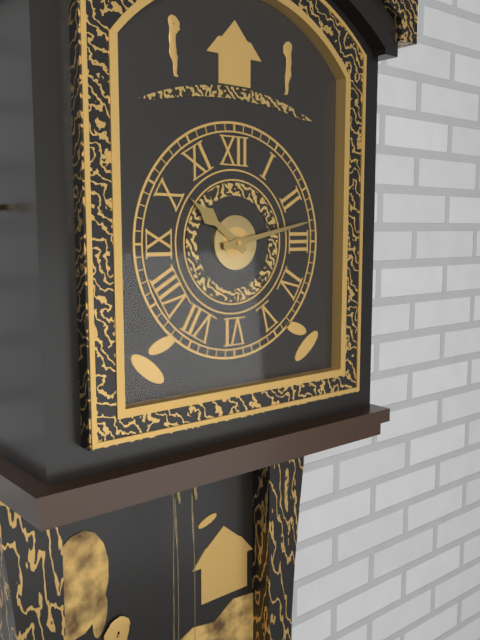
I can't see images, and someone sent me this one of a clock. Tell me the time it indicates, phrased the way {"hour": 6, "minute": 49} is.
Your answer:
{"hour": 10, "minute": 13}
